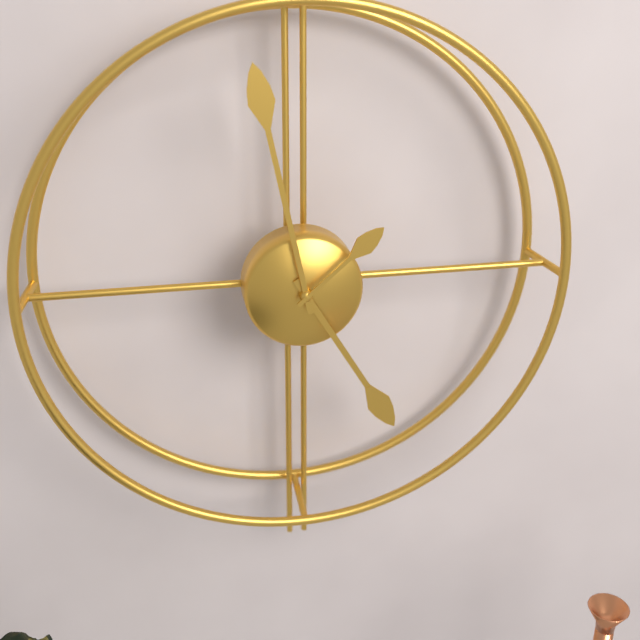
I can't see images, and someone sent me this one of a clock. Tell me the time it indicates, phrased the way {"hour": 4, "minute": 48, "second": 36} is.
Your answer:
{"hour": 4, "minute": 58, "second": 8}
